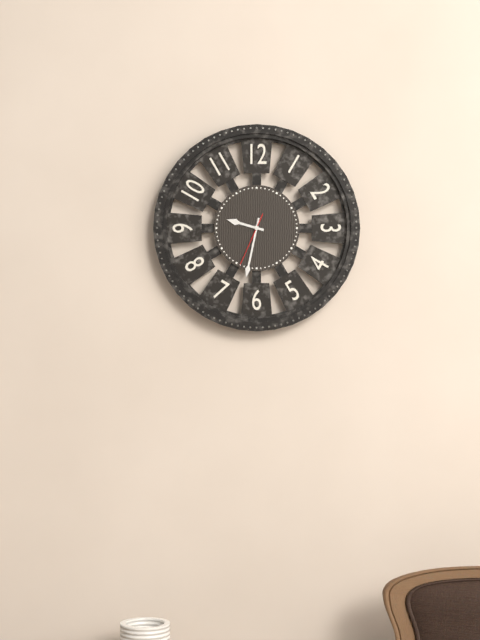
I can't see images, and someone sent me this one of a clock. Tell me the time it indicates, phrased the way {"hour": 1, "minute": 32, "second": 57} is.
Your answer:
{"hour": 9, "minute": 32, "second": 34}
